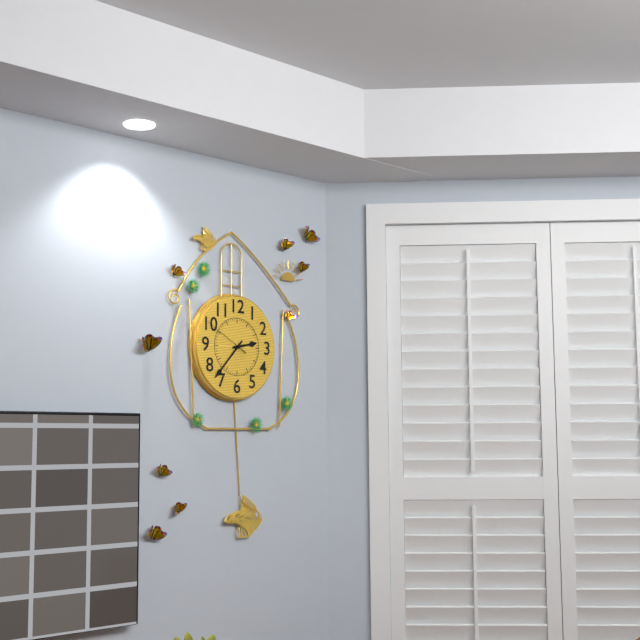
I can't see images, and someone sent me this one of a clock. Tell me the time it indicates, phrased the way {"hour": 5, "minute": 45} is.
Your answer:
{"hour": 2, "minute": 37}
